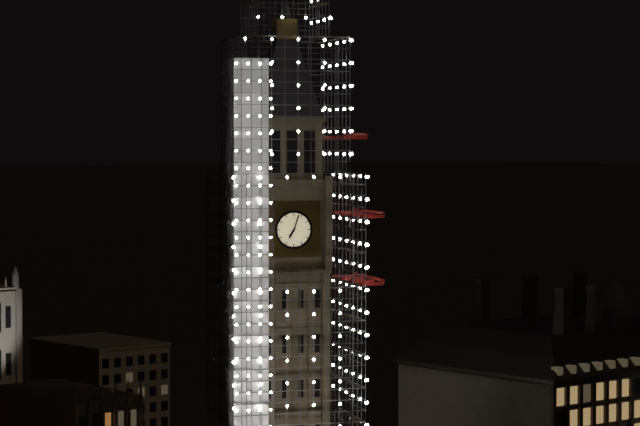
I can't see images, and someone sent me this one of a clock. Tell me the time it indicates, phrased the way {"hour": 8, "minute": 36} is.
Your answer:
{"hour": 7, "minute": 3}
